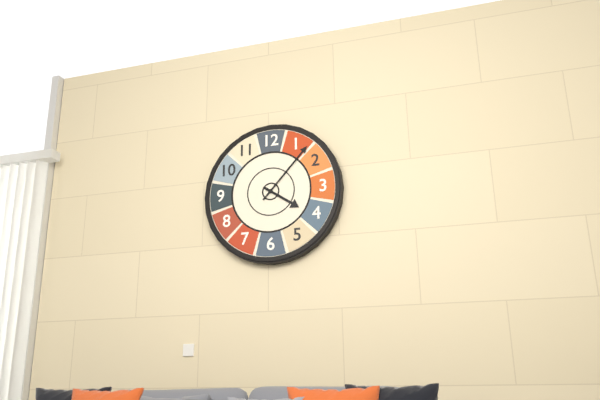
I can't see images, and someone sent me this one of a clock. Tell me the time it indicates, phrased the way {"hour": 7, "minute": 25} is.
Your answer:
{"hour": 4, "minute": 7}
